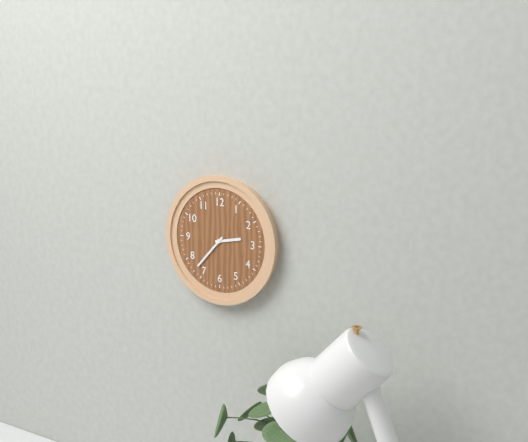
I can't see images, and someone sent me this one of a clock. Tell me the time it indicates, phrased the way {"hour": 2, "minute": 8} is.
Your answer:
{"hour": 2, "minute": 37}
